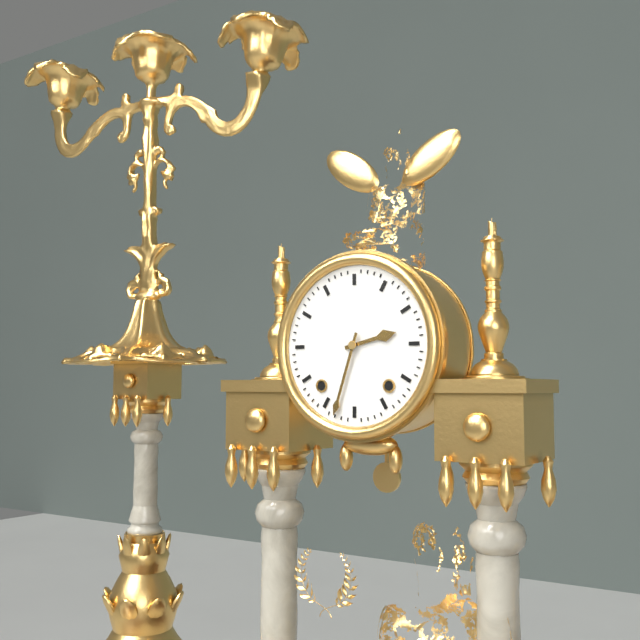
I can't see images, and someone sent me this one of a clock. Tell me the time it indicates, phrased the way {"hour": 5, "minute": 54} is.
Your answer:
{"hour": 2, "minute": 33}
